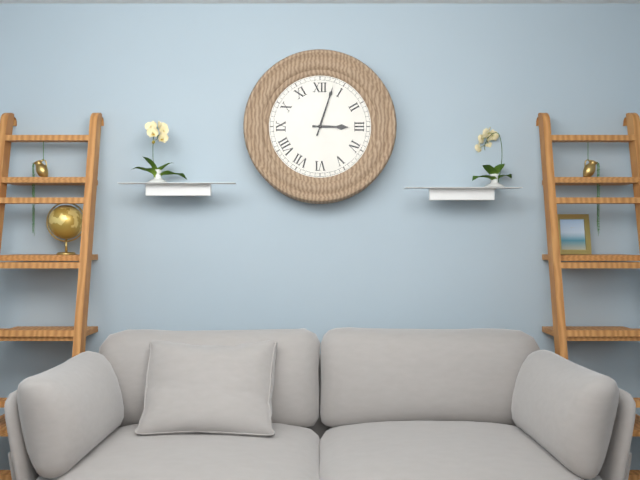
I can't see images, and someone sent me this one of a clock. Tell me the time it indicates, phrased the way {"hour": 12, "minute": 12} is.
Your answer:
{"hour": 3, "minute": 3}
